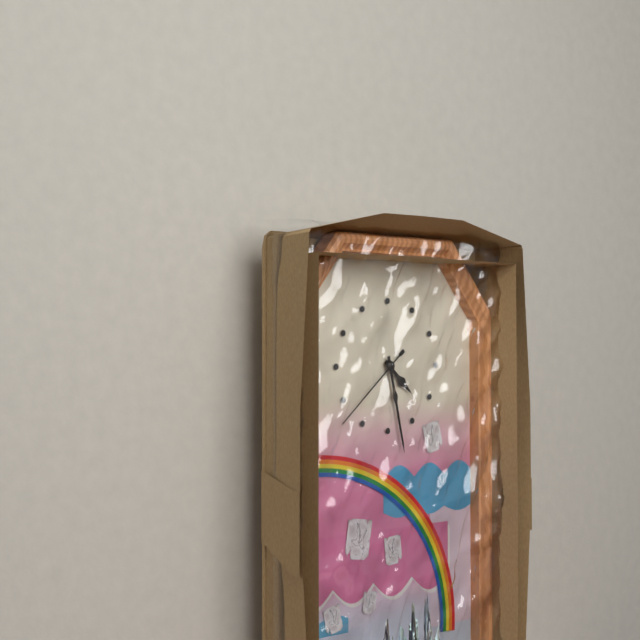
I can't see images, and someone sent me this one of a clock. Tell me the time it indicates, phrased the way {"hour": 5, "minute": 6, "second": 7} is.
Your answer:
{"hour": 4, "minute": 28, "second": 38}
